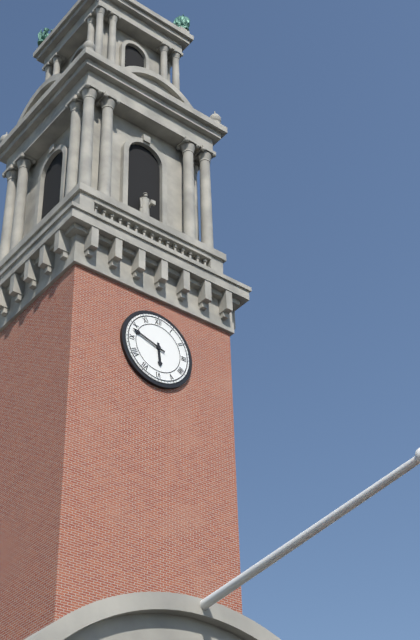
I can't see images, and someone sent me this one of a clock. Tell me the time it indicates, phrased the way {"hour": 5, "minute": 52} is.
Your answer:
{"hour": 5, "minute": 48}
